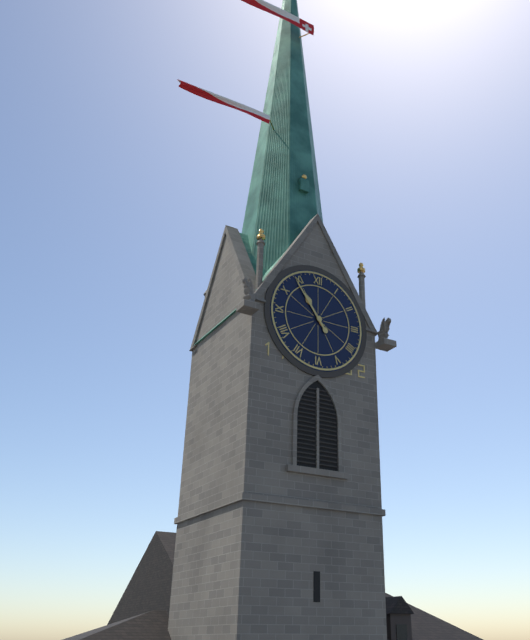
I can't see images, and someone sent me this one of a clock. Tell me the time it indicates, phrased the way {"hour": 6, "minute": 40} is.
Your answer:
{"hour": 10, "minute": 54}
